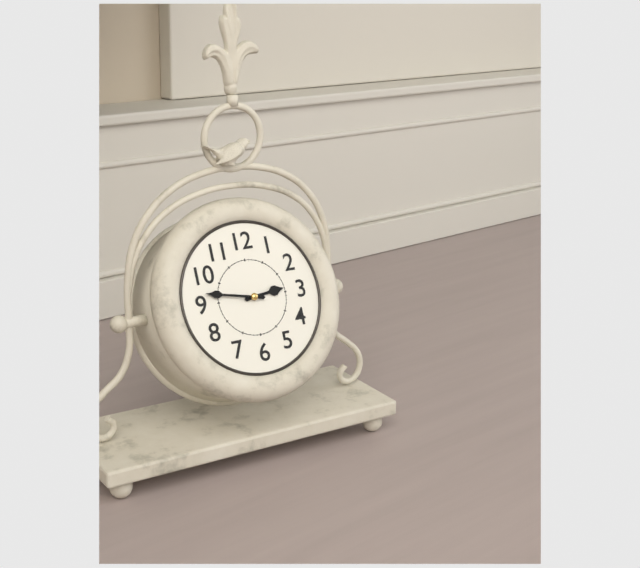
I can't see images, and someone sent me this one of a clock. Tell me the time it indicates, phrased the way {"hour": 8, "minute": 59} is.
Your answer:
{"hour": 2, "minute": 47}
